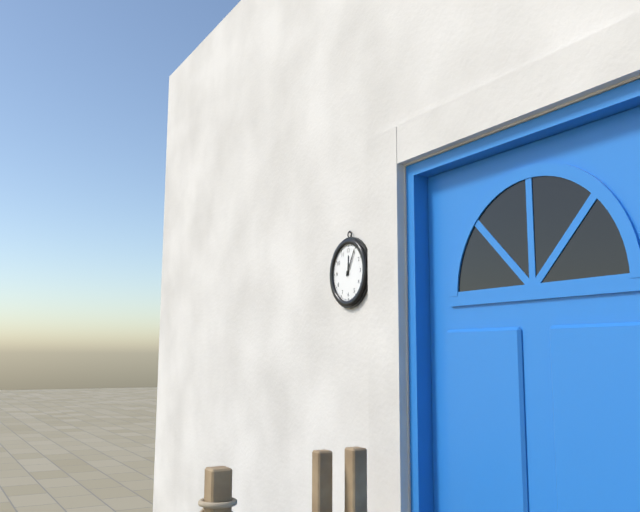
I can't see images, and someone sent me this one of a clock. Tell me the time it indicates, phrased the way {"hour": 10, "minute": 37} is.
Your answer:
{"hour": 12, "minute": 5}
